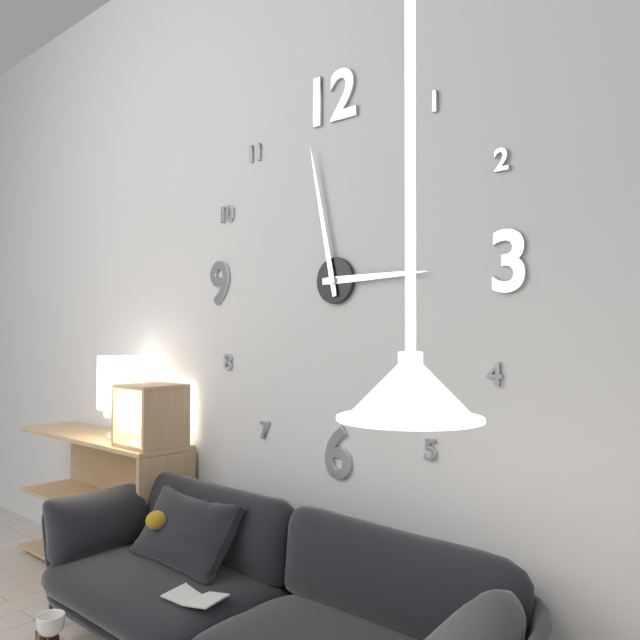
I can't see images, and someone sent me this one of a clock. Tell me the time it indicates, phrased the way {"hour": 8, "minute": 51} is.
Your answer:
{"hour": 2, "minute": 58}
